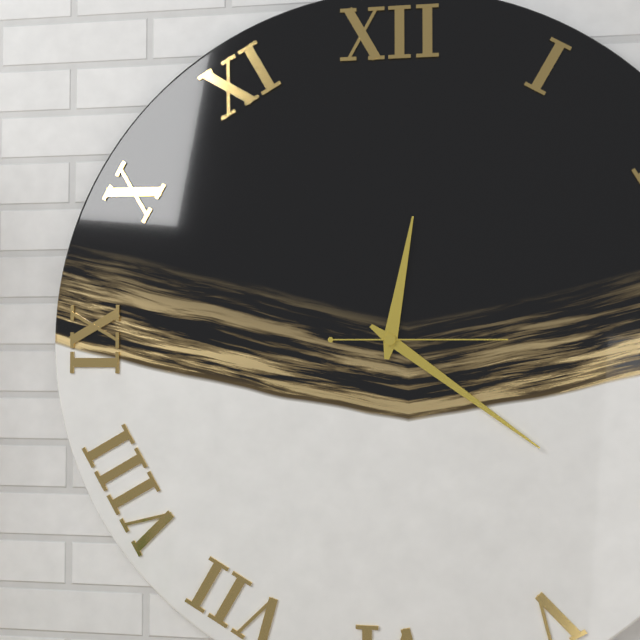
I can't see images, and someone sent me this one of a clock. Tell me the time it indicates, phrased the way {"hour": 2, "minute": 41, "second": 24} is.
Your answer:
{"hour": 12, "minute": 21, "second": 15}
